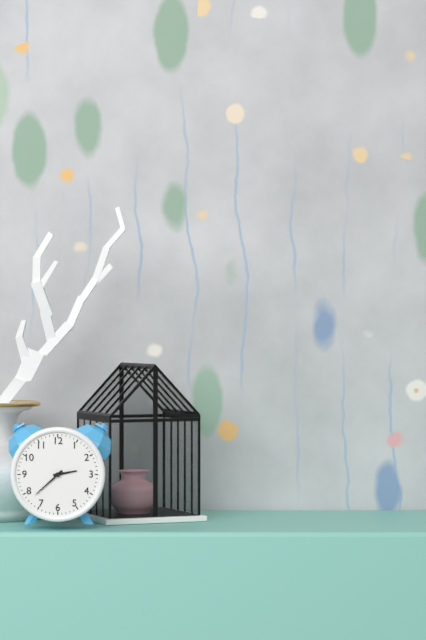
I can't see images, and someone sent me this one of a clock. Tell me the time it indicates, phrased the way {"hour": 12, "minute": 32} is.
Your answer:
{"hour": 2, "minute": 38}
